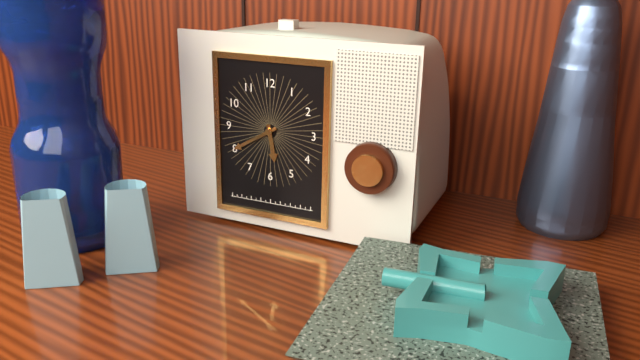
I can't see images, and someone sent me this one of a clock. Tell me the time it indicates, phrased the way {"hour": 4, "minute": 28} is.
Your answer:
{"hour": 5, "minute": 40}
